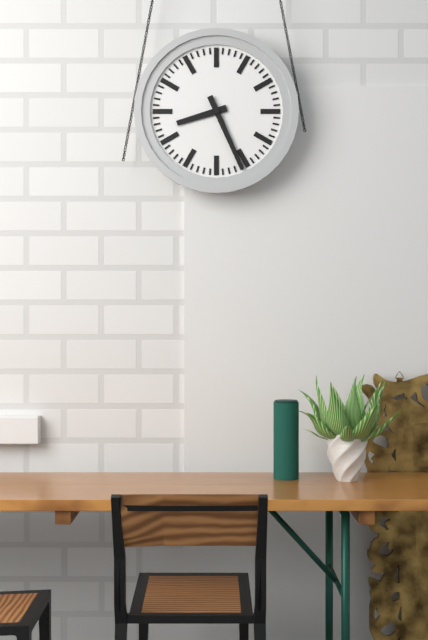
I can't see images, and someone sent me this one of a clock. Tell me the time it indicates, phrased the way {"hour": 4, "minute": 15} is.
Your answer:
{"hour": 8, "minute": 26}
